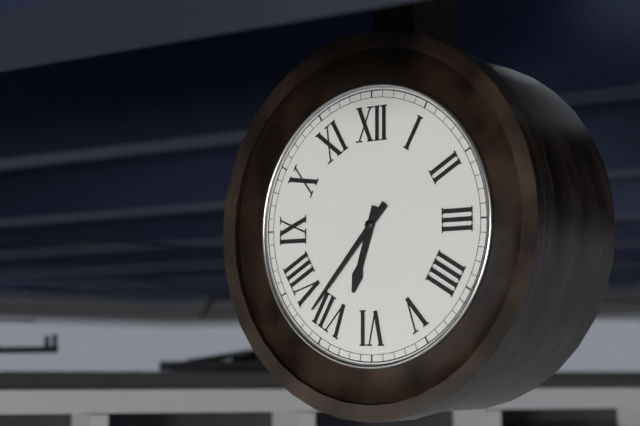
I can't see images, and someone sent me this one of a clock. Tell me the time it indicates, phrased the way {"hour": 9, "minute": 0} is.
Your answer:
{"hour": 6, "minute": 37}
